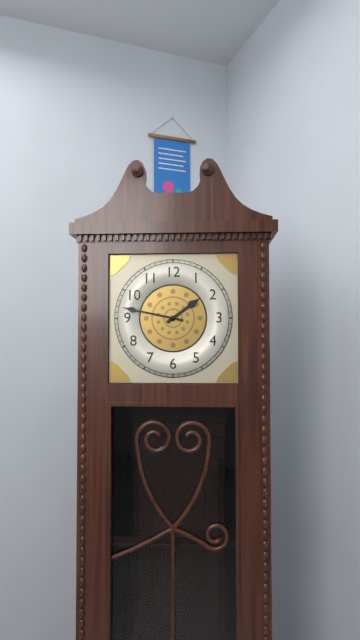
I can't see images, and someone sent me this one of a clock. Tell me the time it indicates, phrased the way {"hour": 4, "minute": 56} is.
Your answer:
{"hour": 1, "minute": 47}
